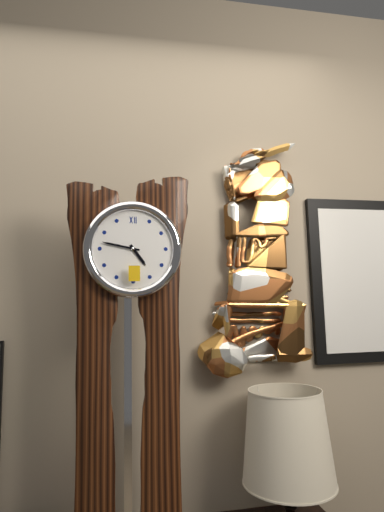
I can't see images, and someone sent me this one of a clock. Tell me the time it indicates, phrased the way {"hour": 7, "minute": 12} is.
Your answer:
{"hour": 4, "minute": 47}
